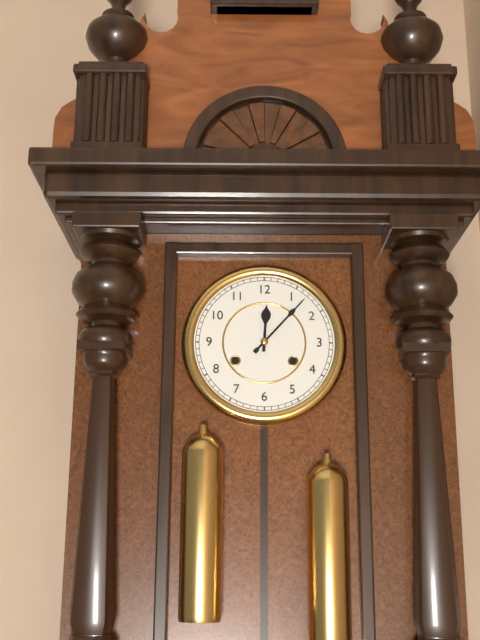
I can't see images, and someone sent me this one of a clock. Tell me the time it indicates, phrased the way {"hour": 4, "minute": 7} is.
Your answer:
{"hour": 12, "minute": 7}
